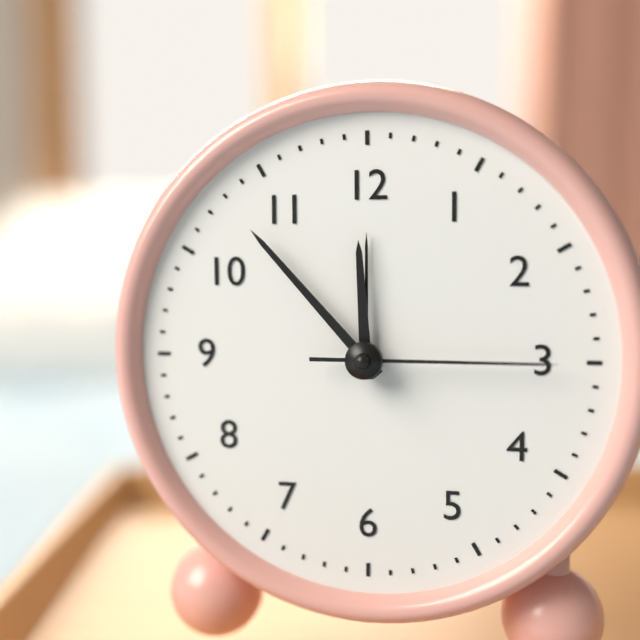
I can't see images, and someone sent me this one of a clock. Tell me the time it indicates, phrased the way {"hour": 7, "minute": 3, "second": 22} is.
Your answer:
{"hour": 11, "minute": 53, "second": 15}
